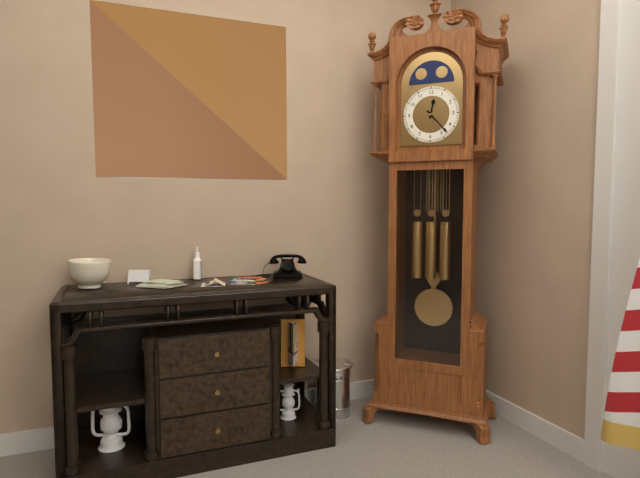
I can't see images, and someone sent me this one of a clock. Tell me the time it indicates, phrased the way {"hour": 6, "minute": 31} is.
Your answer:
{"hour": 12, "minute": 23}
